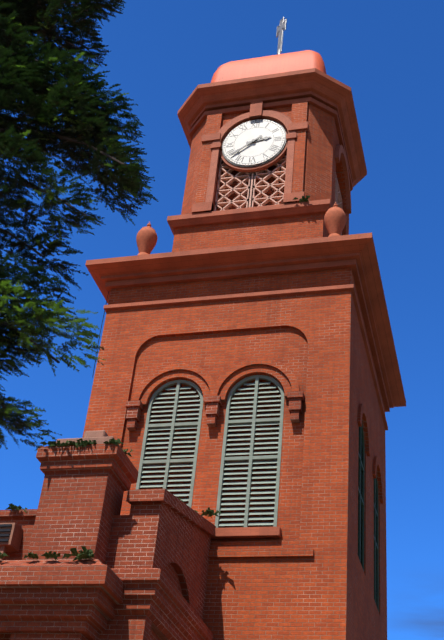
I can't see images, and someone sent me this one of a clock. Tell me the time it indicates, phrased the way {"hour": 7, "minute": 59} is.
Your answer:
{"hour": 2, "minute": 39}
